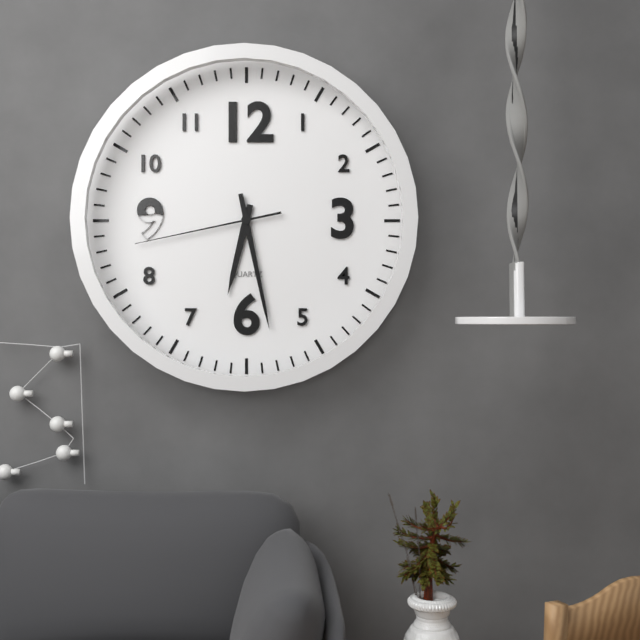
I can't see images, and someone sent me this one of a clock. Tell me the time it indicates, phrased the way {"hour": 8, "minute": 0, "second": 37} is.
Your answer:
{"hour": 6, "minute": 28, "second": 43}
